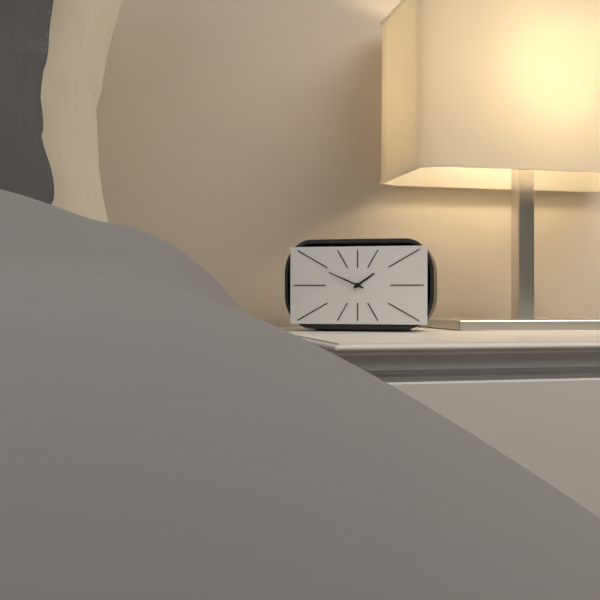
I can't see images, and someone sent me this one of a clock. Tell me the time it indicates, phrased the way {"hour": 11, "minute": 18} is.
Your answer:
{"hour": 1, "minute": 49}
